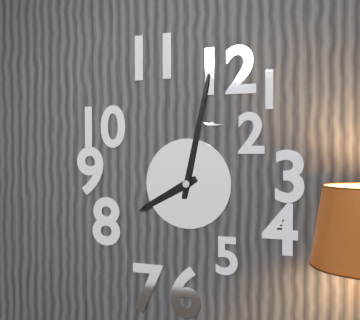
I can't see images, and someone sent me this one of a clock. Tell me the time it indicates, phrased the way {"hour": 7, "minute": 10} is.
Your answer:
{"hour": 8, "minute": 2}
